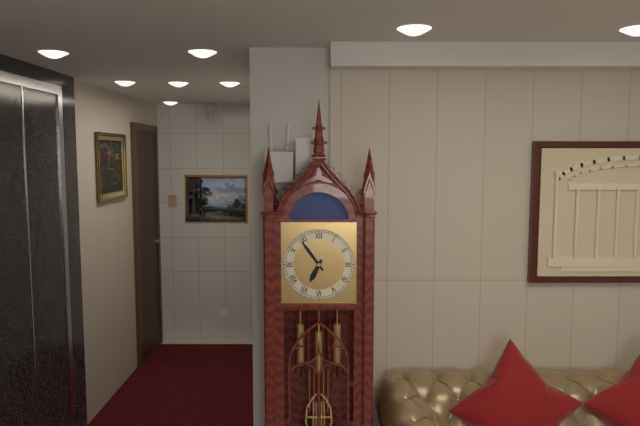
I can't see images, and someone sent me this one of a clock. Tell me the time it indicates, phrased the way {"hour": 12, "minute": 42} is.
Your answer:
{"hour": 6, "minute": 54}
